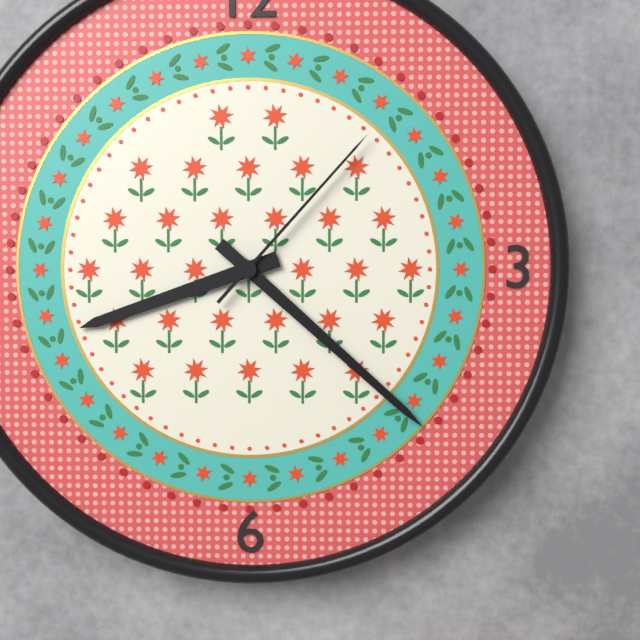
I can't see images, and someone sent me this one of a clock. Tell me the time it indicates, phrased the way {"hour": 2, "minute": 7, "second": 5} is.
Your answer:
{"hour": 8, "minute": 22, "second": 7}
